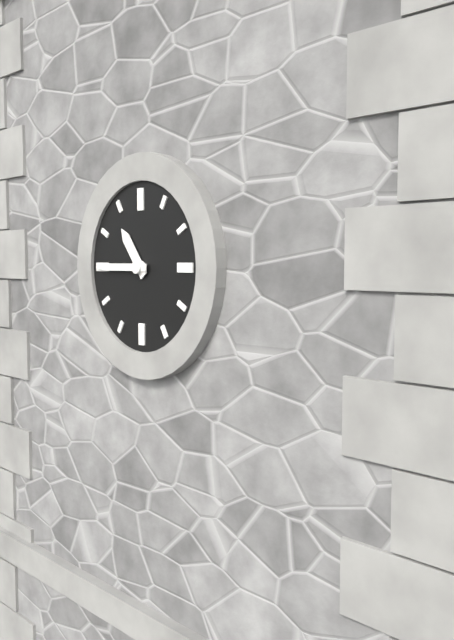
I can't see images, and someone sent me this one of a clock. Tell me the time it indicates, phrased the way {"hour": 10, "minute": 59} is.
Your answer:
{"hour": 10, "minute": 45}
